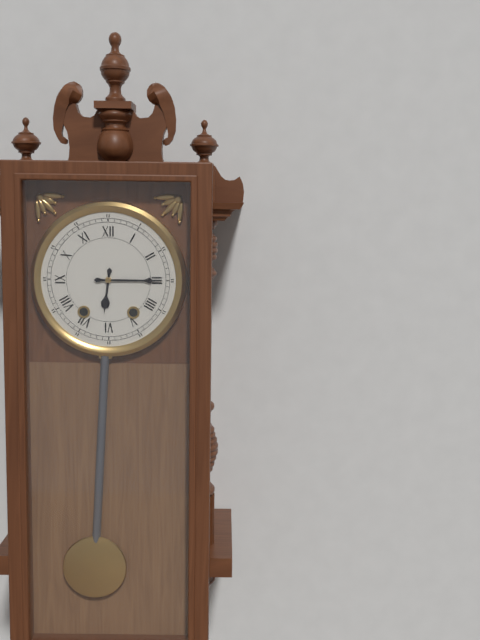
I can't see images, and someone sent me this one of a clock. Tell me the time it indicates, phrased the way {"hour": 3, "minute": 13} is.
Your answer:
{"hour": 6, "minute": 15}
